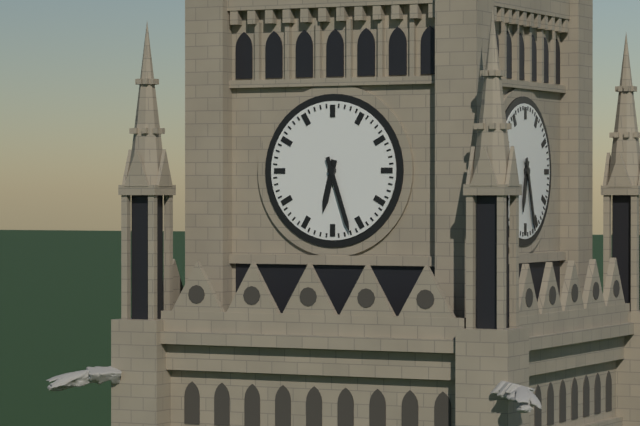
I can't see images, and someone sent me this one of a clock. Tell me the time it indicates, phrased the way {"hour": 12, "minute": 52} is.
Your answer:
{"hour": 6, "minute": 27}
